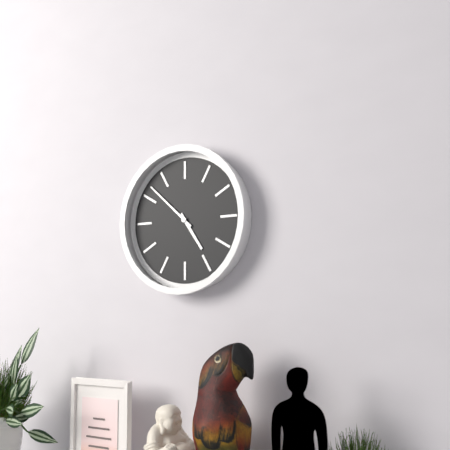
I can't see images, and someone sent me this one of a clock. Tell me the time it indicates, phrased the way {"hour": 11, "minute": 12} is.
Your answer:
{"hour": 4, "minute": 52}
